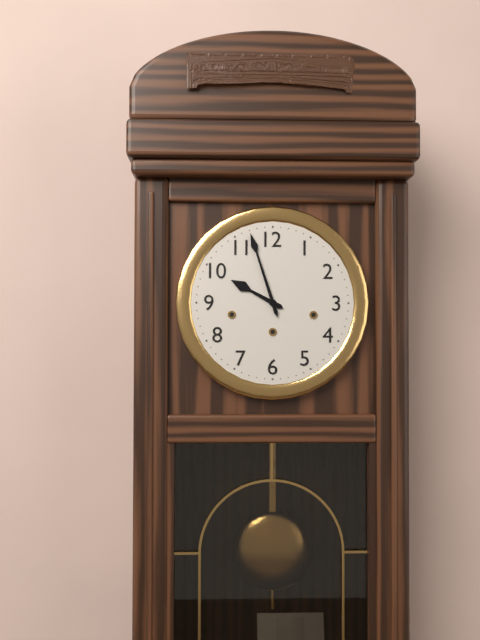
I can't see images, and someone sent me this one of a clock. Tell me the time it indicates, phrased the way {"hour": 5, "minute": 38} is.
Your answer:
{"hour": 9, "minute": 57}
